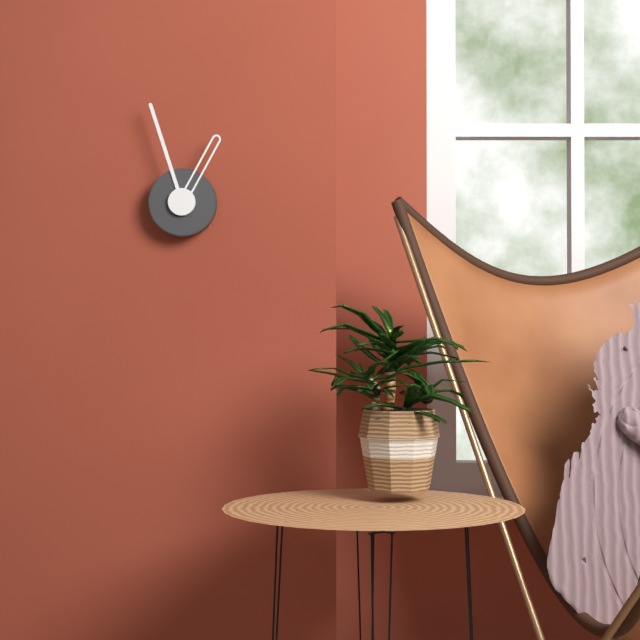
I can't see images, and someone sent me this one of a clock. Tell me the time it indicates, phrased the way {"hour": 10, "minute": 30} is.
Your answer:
{"hour": 12, "minute": 57}
